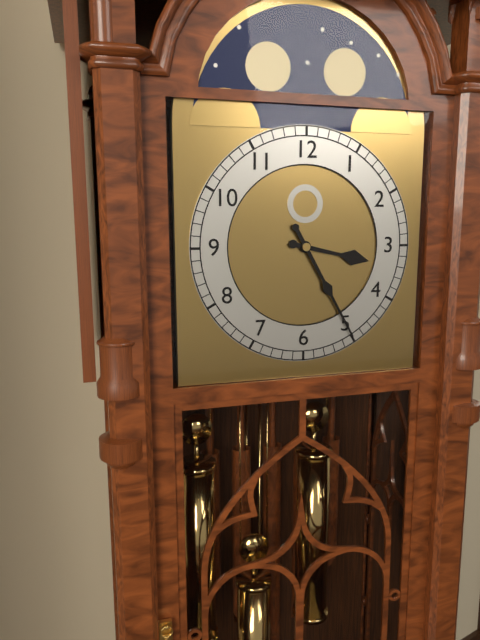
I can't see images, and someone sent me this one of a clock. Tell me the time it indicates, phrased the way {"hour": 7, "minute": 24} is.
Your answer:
{"hour": 3, "minute": 25}
